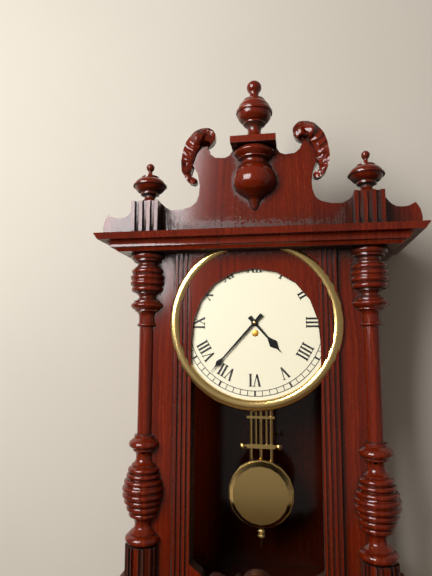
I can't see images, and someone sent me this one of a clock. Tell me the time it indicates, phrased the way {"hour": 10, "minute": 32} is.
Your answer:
{"hour": 4, "minute": 37}
